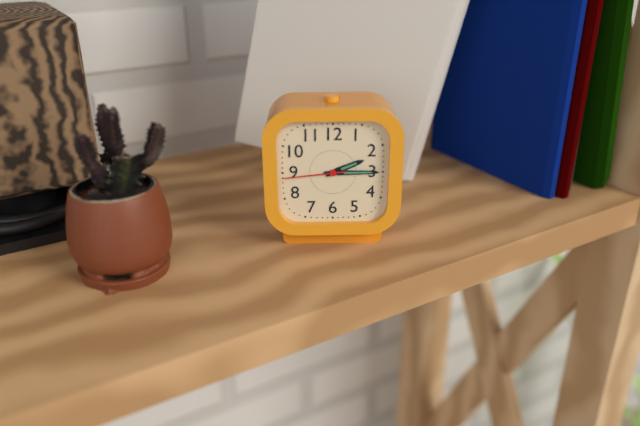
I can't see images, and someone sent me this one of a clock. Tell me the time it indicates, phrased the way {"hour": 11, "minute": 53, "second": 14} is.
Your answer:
{"hour": 2, "minute": 15, "second": 44}
